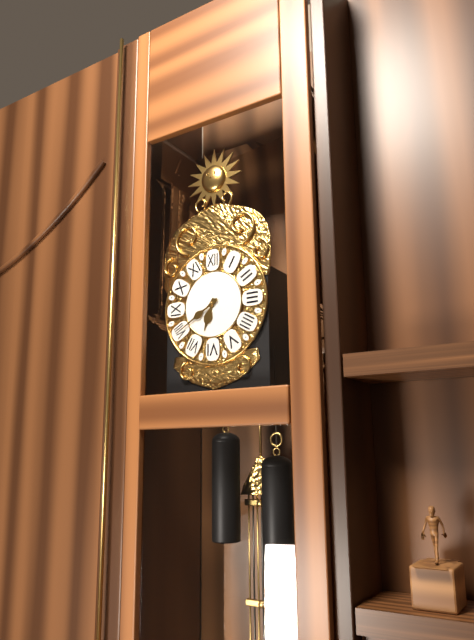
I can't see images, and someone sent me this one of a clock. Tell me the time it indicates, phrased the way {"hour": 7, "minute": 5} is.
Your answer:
{"hour": 6, "minute": 40}
